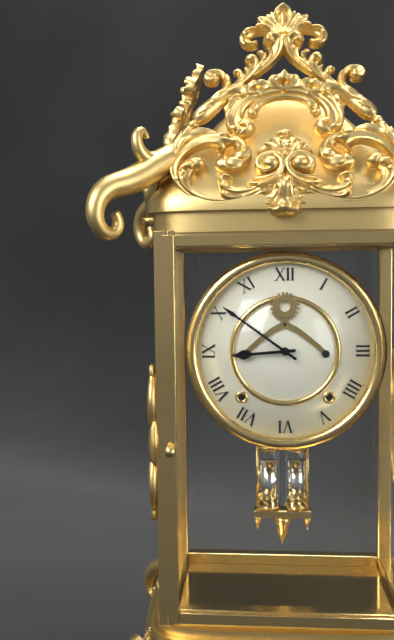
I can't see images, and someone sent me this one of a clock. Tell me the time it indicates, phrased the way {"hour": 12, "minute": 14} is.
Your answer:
{"hour": 8, "minute": 51}
